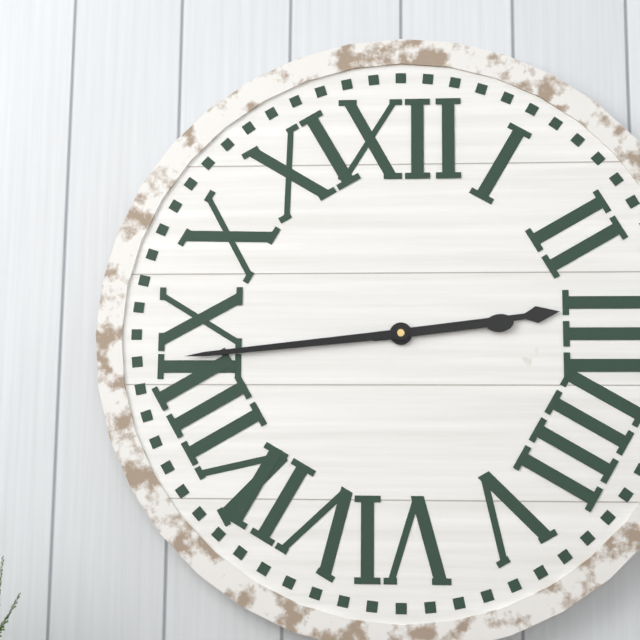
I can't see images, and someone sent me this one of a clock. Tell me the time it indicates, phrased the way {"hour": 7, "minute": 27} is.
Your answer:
{"hour": 2, "minute": 44}
